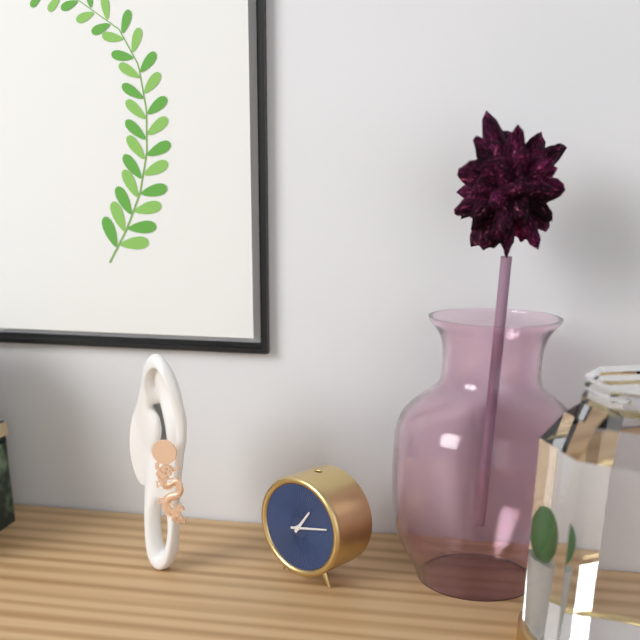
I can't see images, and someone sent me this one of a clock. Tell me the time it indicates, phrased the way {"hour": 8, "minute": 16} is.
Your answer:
{"hour": 1, "minute": 13}
